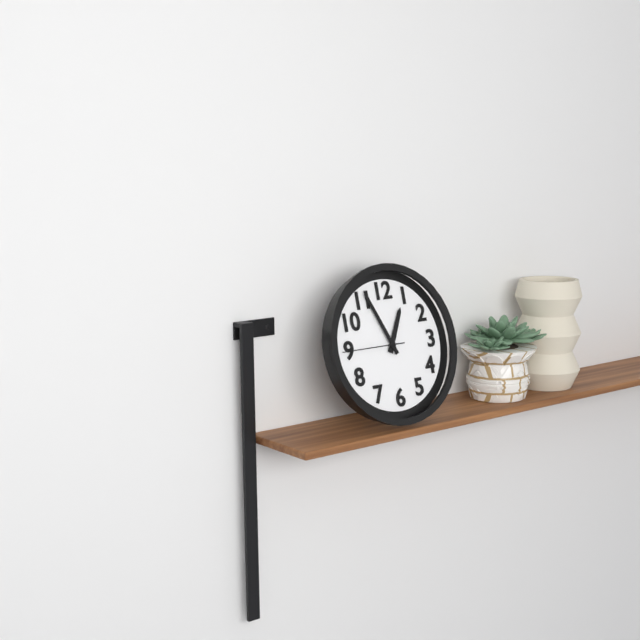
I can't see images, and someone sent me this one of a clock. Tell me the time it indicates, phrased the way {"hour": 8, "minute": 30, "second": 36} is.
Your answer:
{"hour": 12, "minute": 56, "second": 45}
